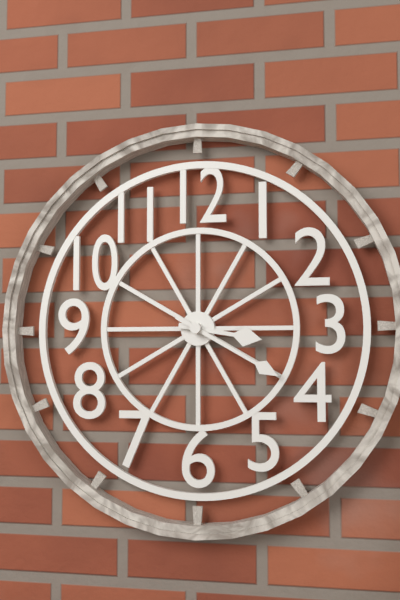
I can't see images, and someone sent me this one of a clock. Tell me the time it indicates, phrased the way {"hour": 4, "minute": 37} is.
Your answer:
{"hour": 3, "minute": 20}
